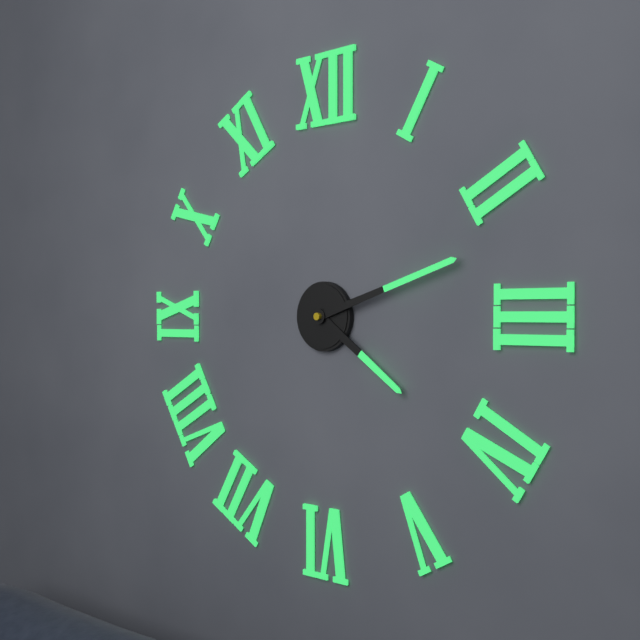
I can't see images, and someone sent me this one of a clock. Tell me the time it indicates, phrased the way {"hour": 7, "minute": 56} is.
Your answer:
{"hour": 4, "minute": 12}
